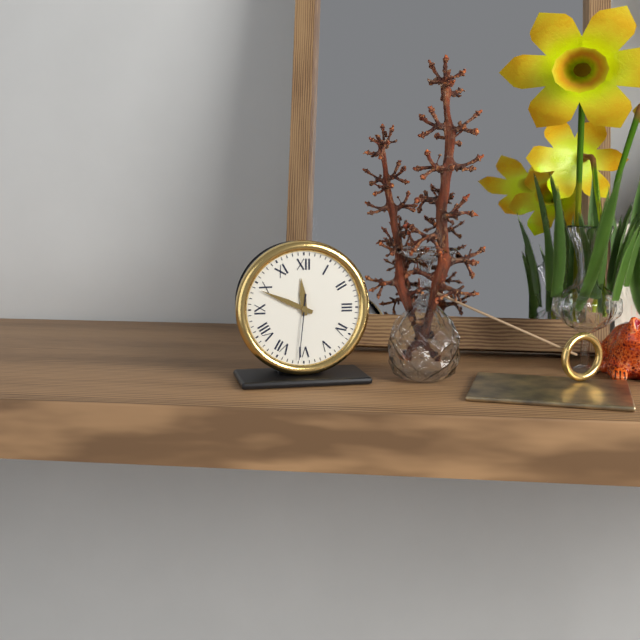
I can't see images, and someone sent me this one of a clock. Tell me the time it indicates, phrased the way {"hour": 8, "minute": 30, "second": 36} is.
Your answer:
{"hour": 11, "minute": 49, "second": 31}
